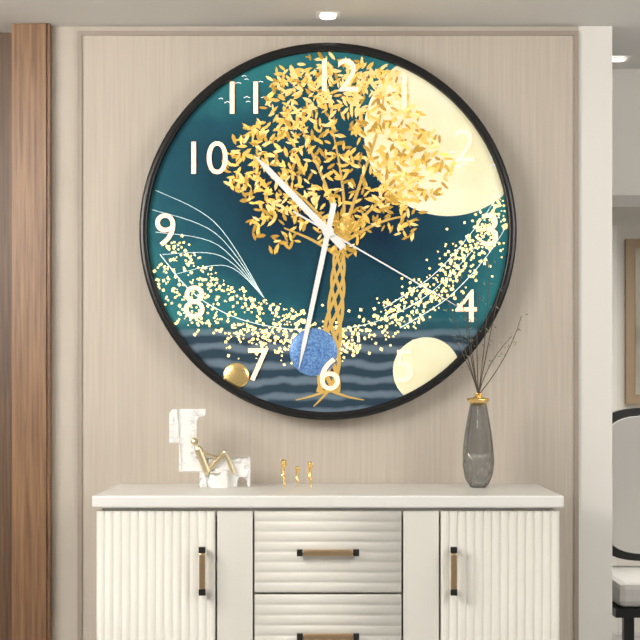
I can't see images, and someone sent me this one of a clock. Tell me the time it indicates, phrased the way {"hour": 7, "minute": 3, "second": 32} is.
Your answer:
{"hour": 10, "minute": 32, "second": 20}
